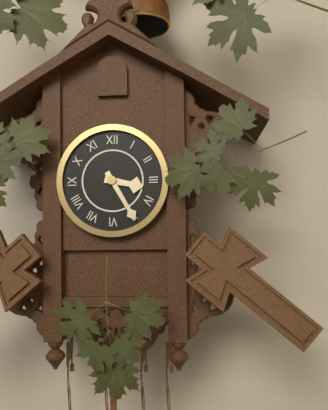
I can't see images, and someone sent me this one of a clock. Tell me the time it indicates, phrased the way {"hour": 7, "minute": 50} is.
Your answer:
{"hour": 3, "minute": 25}
